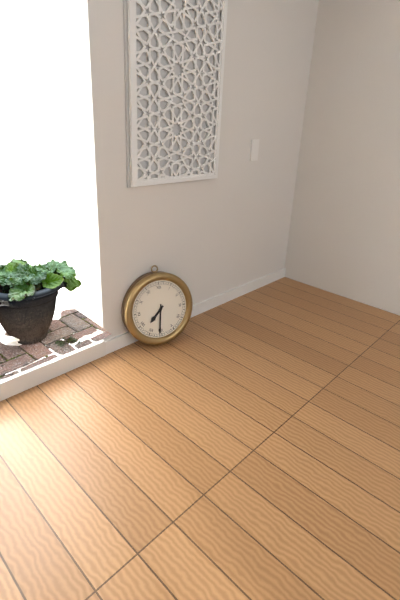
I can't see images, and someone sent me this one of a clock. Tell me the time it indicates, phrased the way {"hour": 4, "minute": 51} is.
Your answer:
{"hour": 7, "minute": 31}
